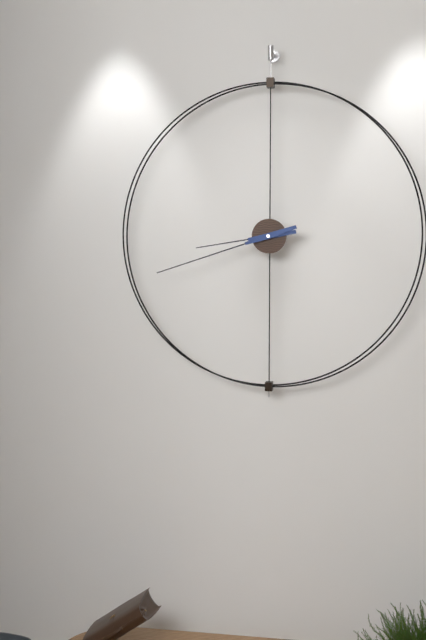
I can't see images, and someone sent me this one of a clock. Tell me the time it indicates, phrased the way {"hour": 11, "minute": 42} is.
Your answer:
{"hour": 8, "minute": 42}
